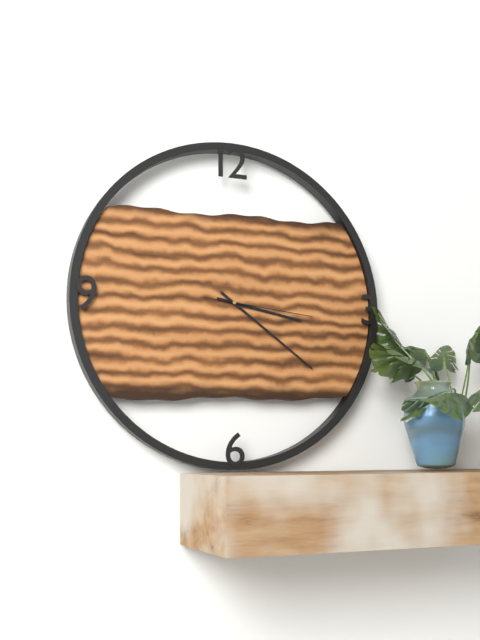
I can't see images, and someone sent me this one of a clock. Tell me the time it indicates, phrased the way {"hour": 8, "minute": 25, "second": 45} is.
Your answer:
{"hour": 3, "minute": 21, "second": 16}
